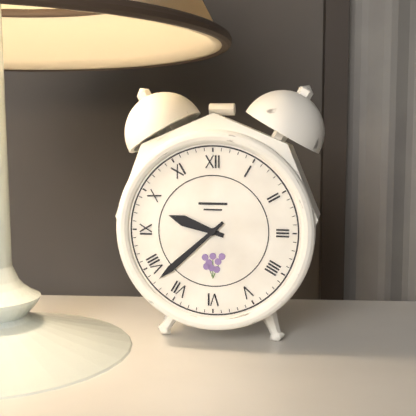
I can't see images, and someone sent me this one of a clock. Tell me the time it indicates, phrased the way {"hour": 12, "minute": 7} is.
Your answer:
{"hour": 9, "minute": 38}
